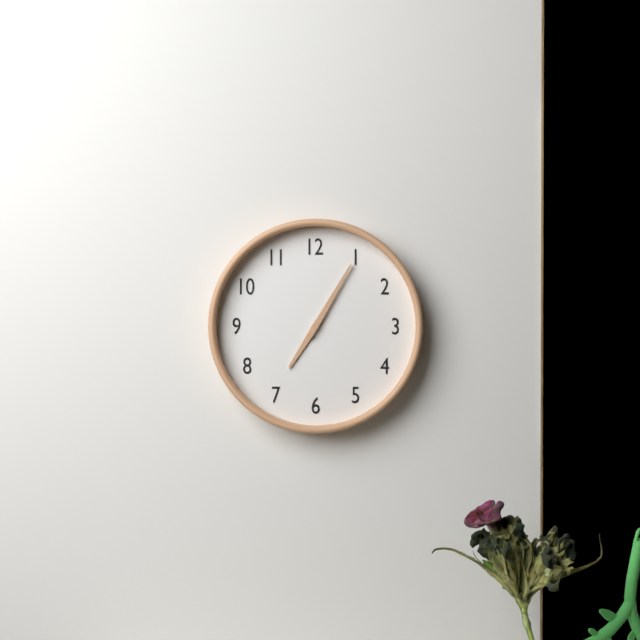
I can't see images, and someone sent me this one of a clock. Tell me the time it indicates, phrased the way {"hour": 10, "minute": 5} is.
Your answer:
{"hour": 7, "minute": 5}
